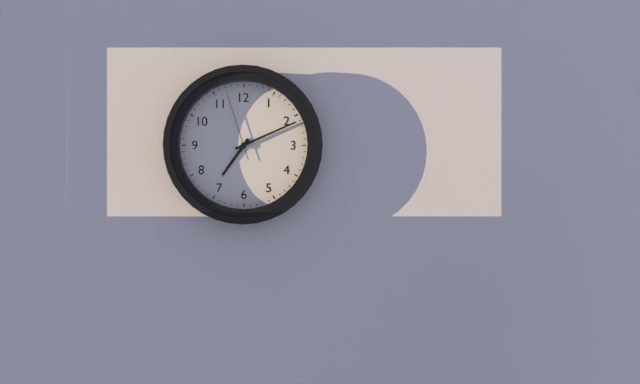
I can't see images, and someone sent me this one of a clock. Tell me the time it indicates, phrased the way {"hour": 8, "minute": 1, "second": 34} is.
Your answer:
{"hour": 7, "minute": 11, "second": 57}
